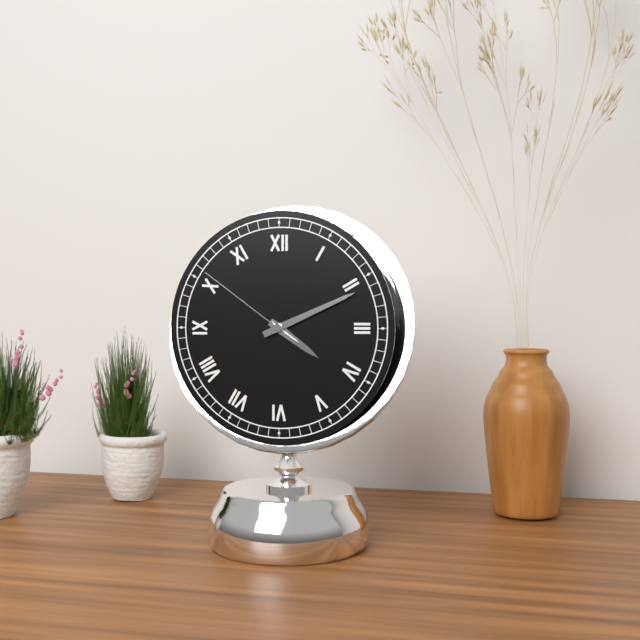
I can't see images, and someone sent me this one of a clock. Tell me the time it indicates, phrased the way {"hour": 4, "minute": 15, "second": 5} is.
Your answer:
{"hour": 4, "minute": 11, "second": 51}
